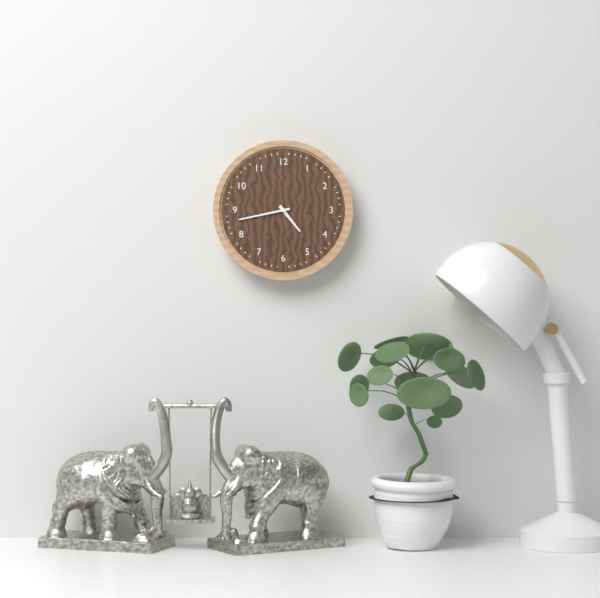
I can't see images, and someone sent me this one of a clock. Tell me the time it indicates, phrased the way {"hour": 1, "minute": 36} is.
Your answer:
{"hour": 4, "minute": 43}
